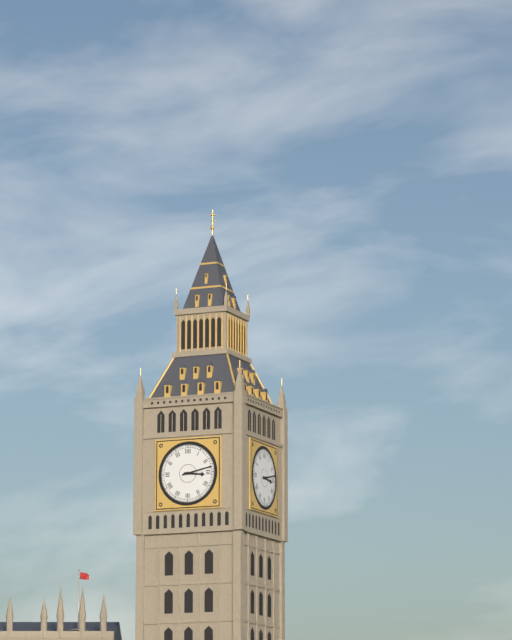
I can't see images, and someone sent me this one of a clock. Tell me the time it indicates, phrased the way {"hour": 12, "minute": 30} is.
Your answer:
{"hour": 3, "minute": 13}
